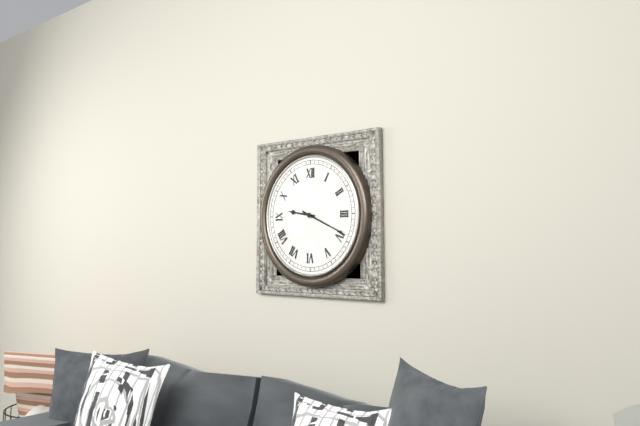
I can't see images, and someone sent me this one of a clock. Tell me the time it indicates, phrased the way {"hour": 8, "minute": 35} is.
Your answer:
{"hour": 9, "minute": 19}
